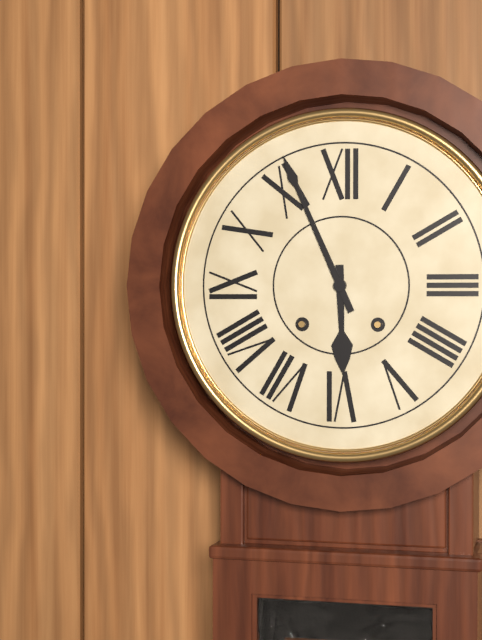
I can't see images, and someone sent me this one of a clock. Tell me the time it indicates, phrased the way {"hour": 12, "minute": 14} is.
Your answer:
{"hour": 5, "minute": 56}
